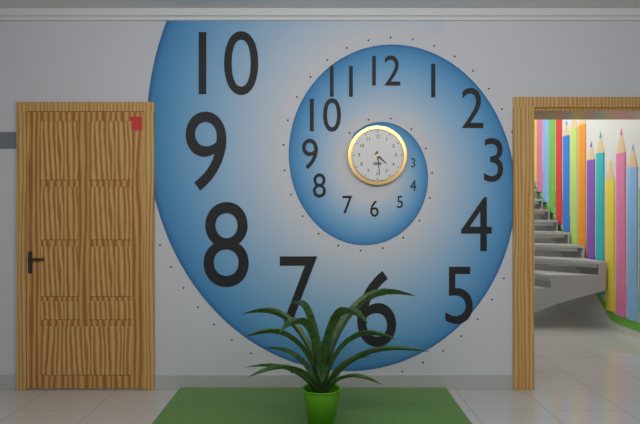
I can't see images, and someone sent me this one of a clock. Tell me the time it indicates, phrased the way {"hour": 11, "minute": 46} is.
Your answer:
{"hour": 4, "minute": 29}
